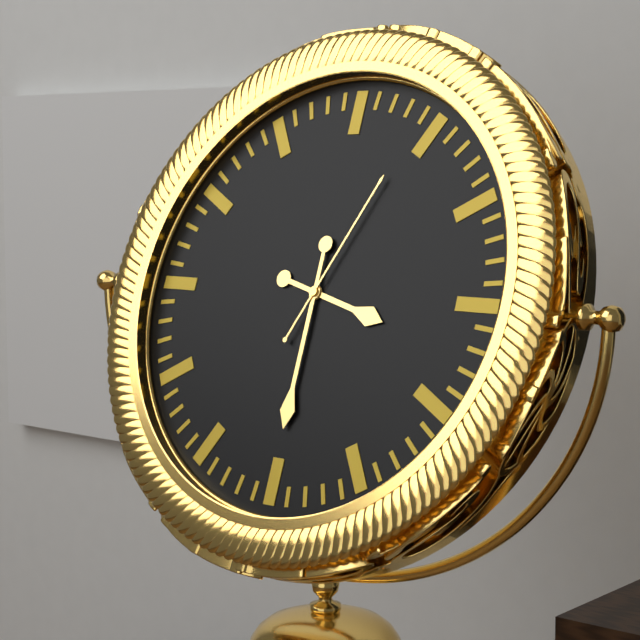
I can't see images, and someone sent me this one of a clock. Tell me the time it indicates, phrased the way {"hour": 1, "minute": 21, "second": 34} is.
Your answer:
{"hour": 3, "minute": 30, "second": 4}
